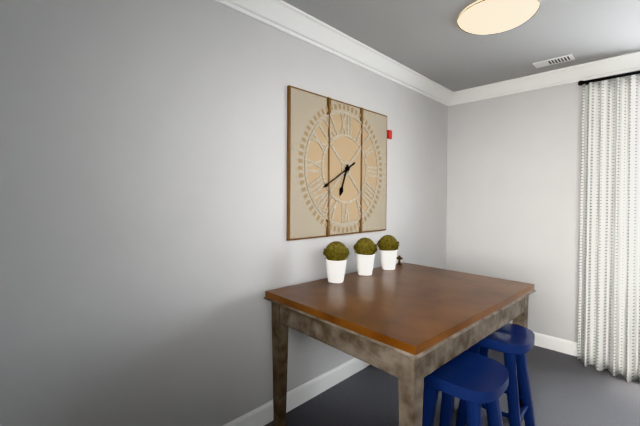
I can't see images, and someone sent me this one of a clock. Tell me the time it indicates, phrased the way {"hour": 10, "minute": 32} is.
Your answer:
{"hour": 6, "minute": 40}
